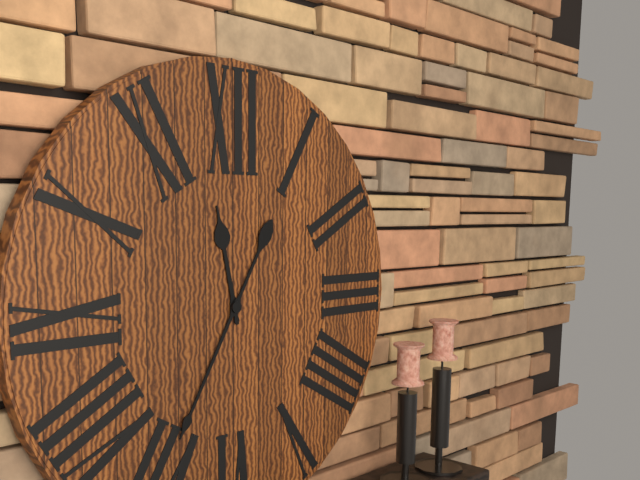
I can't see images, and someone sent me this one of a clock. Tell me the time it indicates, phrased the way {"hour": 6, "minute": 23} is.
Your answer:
{"hour": 11, "minute": 35}
